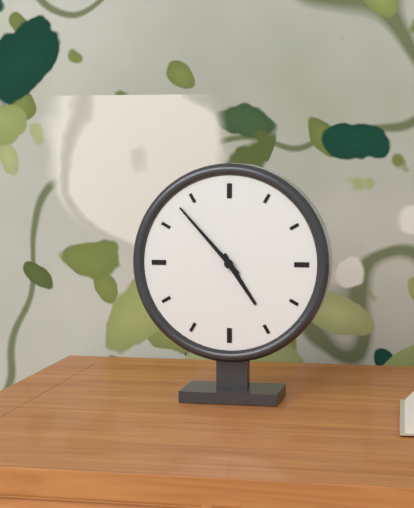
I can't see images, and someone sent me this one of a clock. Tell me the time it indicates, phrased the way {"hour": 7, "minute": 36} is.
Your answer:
{"hour": 4, "minute": 53}
